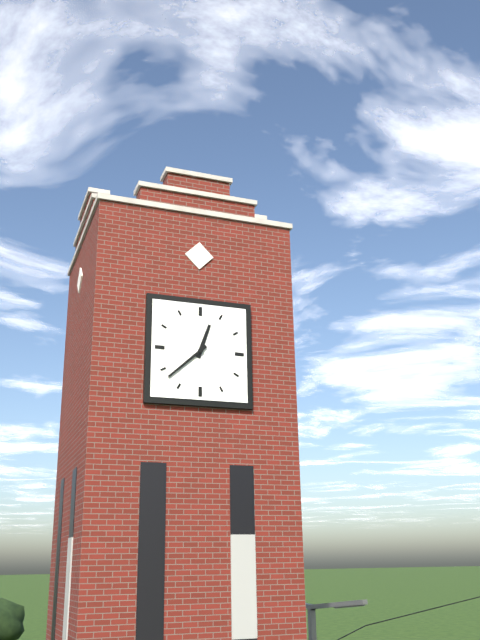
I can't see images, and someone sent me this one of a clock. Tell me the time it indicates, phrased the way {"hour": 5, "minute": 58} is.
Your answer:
{"hour": 12, "minute": 38}
